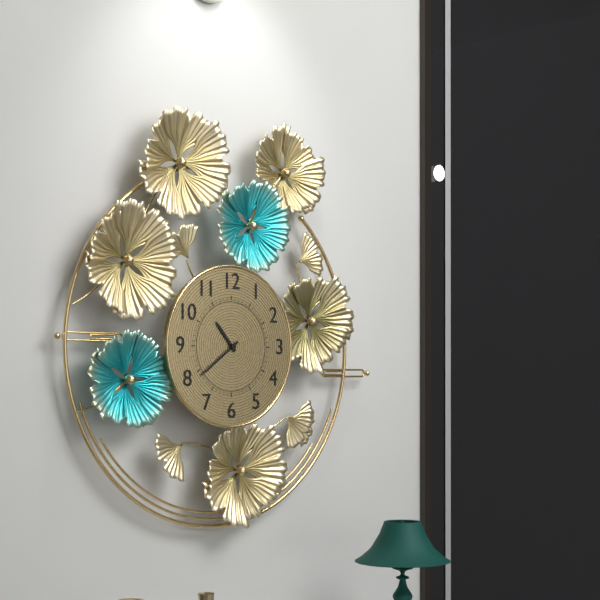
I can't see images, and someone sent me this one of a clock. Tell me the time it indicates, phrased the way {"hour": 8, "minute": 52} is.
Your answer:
{"hour": 10, "minute": 39}
